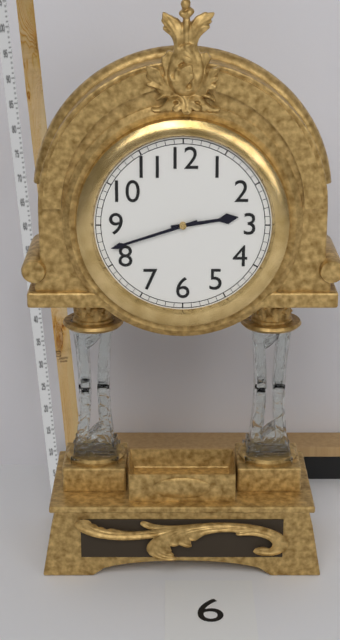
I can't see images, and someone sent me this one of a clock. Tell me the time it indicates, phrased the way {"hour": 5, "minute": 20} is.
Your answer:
{"hour": 2, "minute": 42}
